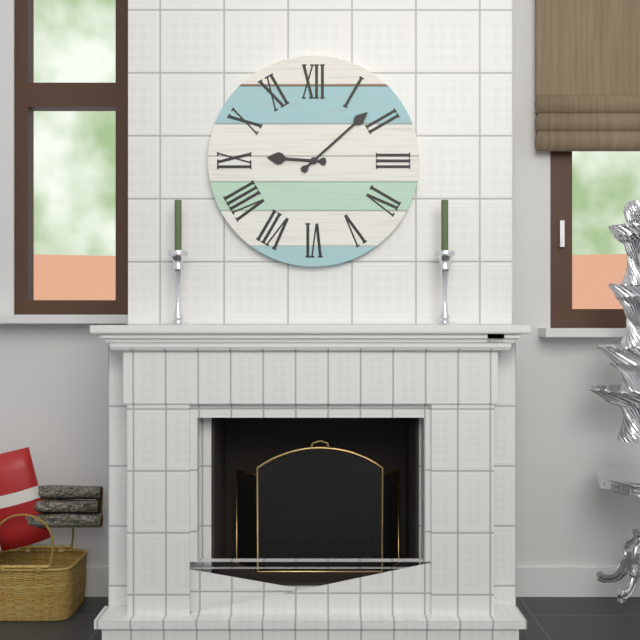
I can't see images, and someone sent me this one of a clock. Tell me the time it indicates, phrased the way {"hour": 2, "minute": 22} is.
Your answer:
{"hour": 9, "minute": 8}
